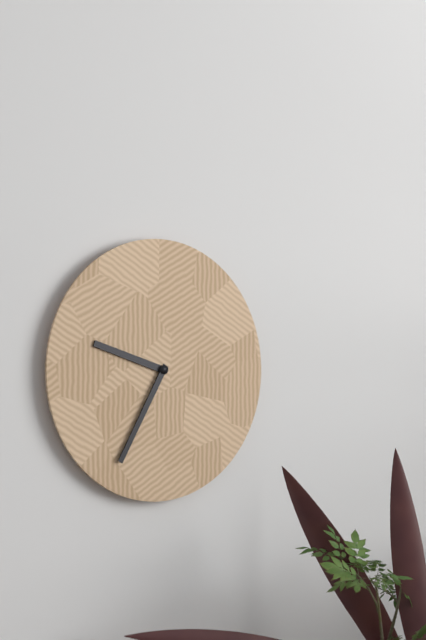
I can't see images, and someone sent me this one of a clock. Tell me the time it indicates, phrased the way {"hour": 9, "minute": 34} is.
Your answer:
{"hour": 9, "minute": 35}
